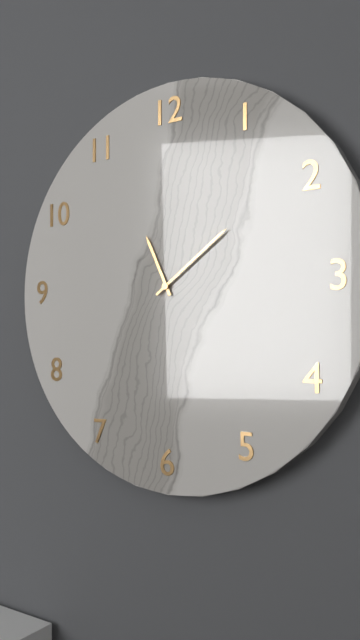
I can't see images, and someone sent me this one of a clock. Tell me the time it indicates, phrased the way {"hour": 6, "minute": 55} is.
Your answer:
{"hour": 11, "minute": 9}
